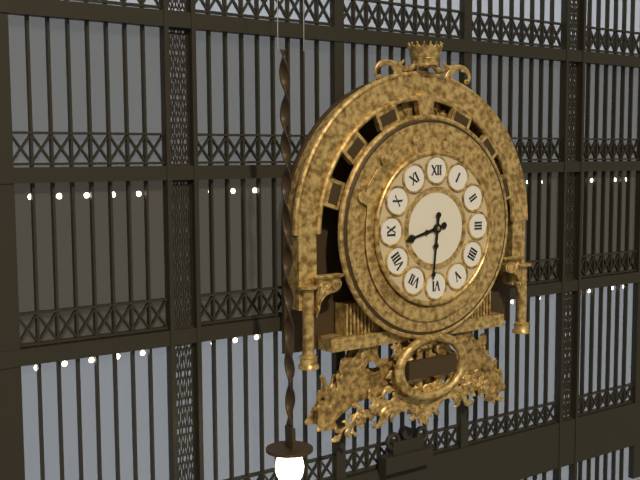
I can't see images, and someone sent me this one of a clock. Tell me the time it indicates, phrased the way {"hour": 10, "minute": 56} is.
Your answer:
{"hour": 8, "minute": 31}
